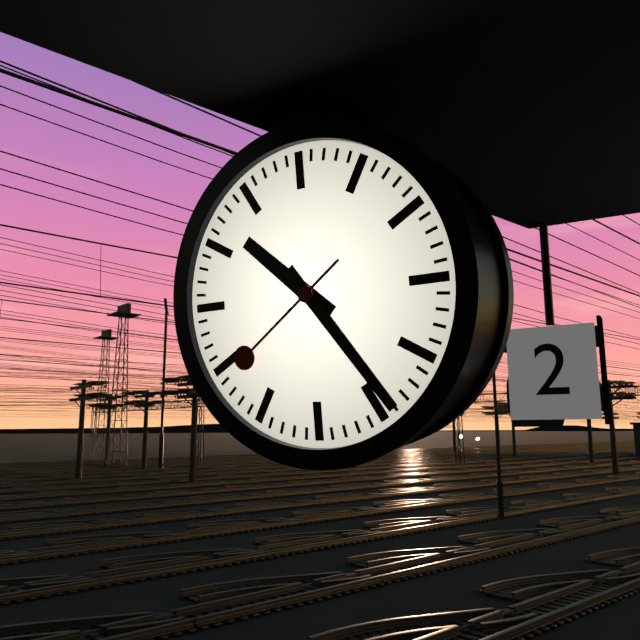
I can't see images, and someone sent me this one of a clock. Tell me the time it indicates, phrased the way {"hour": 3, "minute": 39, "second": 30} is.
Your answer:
{"hour": 10, "minute": 24, "second": 39}
